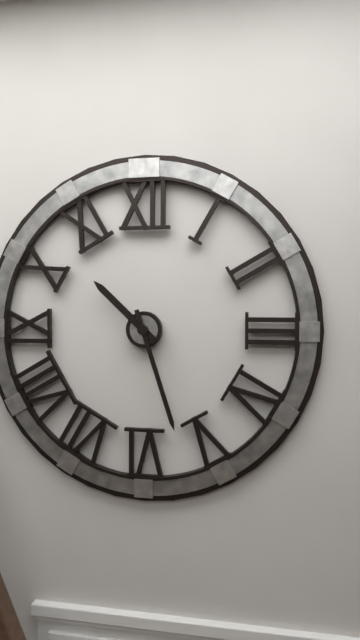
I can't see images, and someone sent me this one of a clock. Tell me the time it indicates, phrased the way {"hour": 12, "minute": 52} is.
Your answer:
{"hour": 10, "minute": 27}
